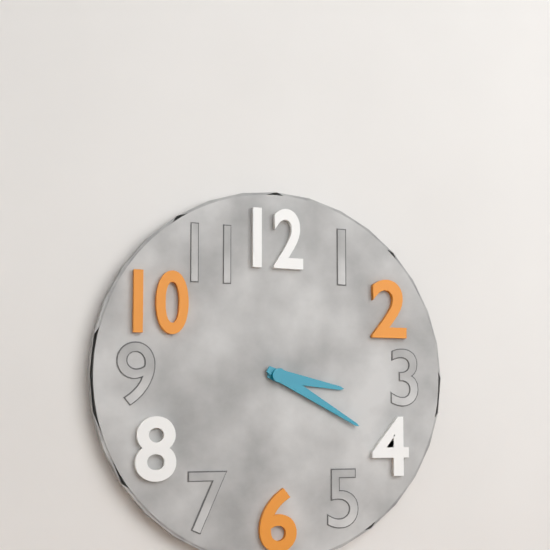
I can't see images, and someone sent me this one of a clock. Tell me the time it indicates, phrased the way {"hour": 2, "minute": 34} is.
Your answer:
{"hour": 3, "minute": 20}
